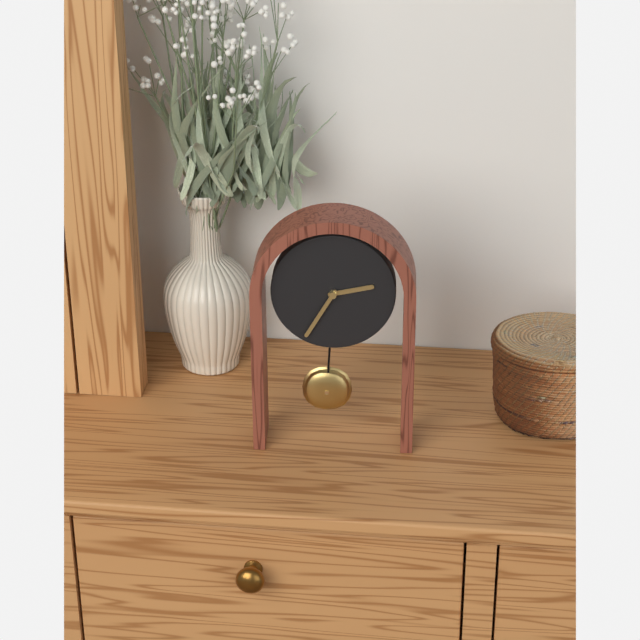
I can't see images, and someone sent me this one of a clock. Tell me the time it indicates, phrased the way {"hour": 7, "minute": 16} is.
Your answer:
{"hour": 2, "minute": 35}
